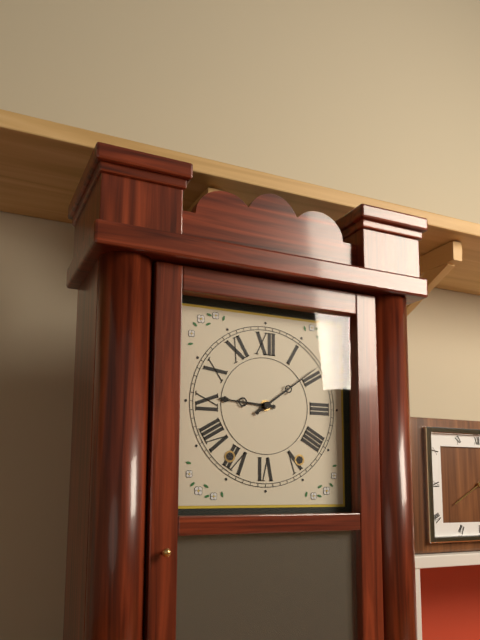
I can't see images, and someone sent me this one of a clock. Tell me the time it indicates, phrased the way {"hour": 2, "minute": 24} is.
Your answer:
{"hour": 9, "minute": 9}
